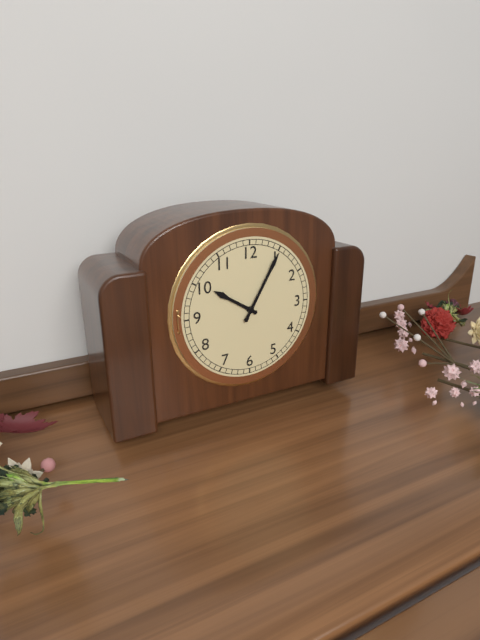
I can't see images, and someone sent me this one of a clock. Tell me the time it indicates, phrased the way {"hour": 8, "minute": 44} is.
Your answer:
{"hour": 10, "minute": 5}
